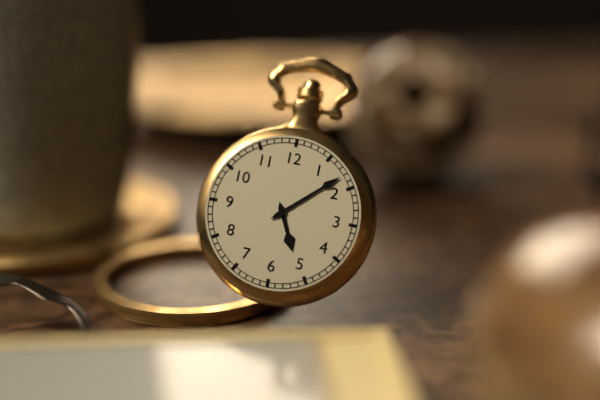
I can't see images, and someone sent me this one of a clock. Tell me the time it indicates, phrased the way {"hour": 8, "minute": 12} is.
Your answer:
{"hour": 5, "minute": 8}
